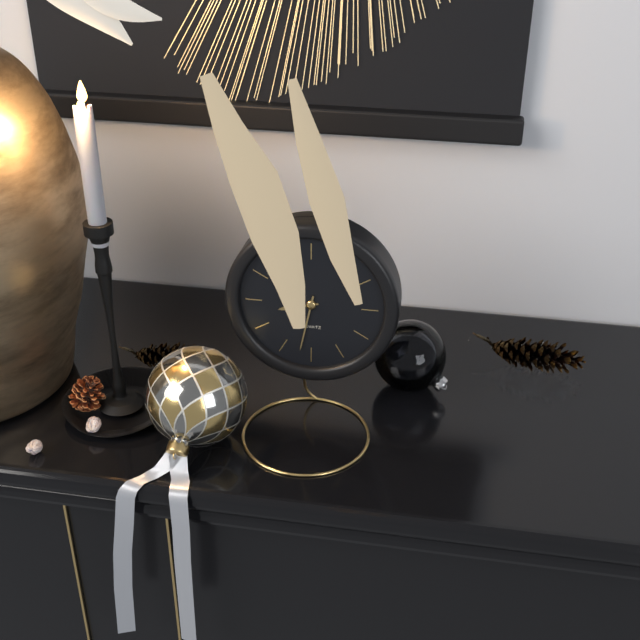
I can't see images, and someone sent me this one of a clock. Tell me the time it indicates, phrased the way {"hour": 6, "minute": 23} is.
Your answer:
{"hour": 8, "minute": 32}
